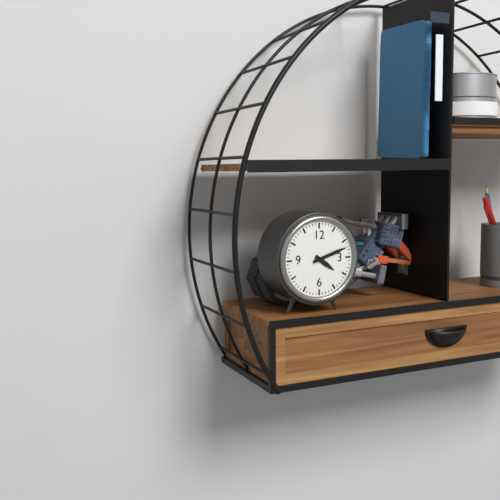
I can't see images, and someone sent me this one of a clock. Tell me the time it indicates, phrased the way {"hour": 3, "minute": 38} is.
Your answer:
{"hour": 4, "minute": 12}
